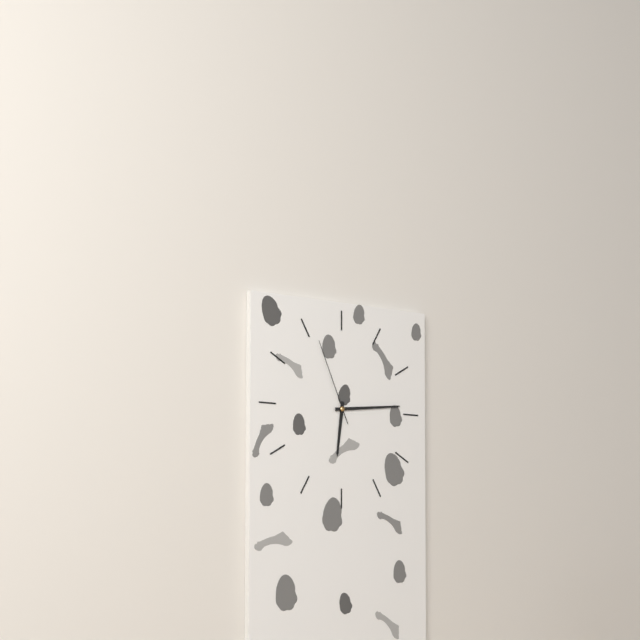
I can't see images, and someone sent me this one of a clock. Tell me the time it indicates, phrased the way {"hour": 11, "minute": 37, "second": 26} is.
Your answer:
{"hour": 6, "minute": 14, "second": 56}
